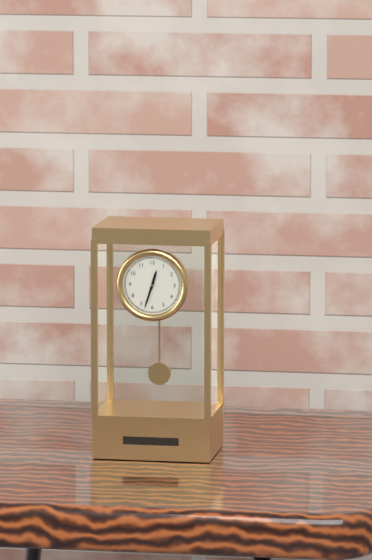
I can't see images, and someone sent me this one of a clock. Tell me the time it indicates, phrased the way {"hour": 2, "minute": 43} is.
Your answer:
{"hour": 12, "minute": 33}
